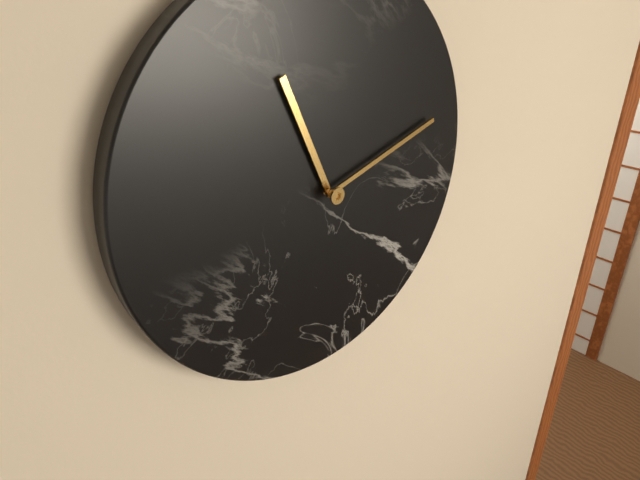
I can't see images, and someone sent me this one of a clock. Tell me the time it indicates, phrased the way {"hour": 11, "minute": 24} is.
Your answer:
{"hour": 11, "minute": 12}
